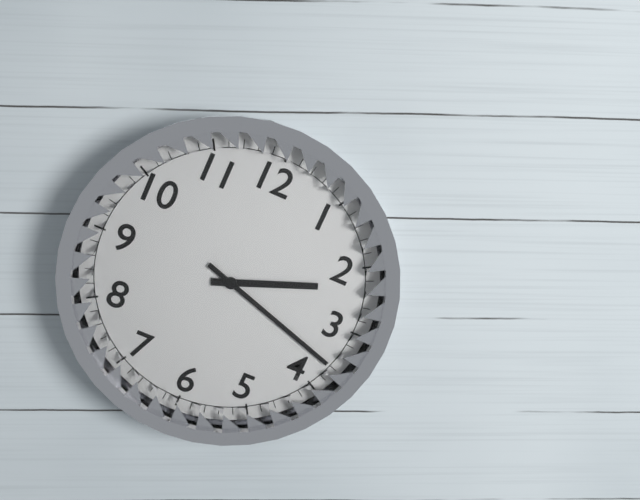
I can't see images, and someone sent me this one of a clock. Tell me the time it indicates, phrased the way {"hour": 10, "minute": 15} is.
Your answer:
{"hour": 2, "minute": 18}
